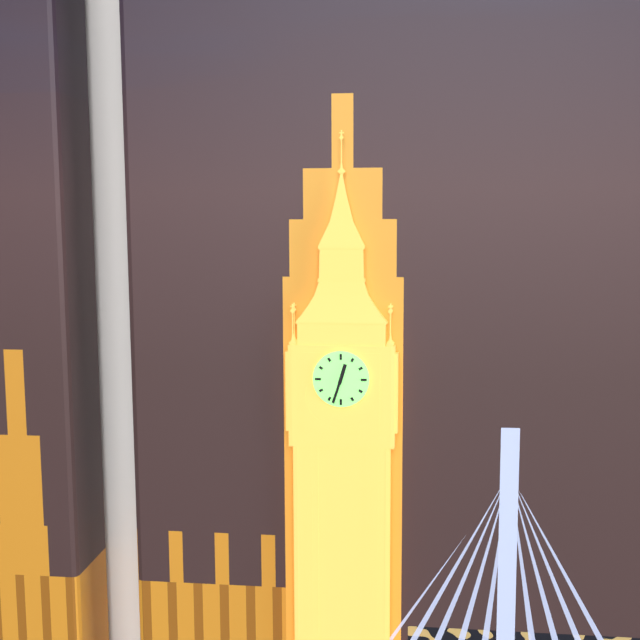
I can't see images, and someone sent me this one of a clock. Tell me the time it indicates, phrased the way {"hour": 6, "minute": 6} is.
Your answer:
{"hour": 12, "minute": 33}
